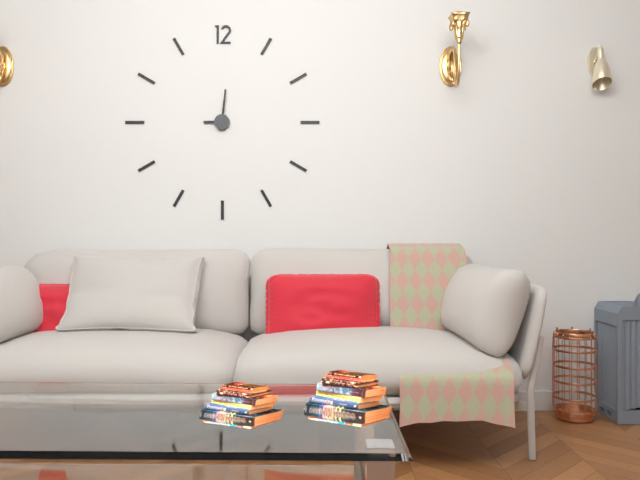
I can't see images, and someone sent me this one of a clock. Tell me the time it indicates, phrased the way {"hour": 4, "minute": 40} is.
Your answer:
{"hour": 9, "minute": 1}
